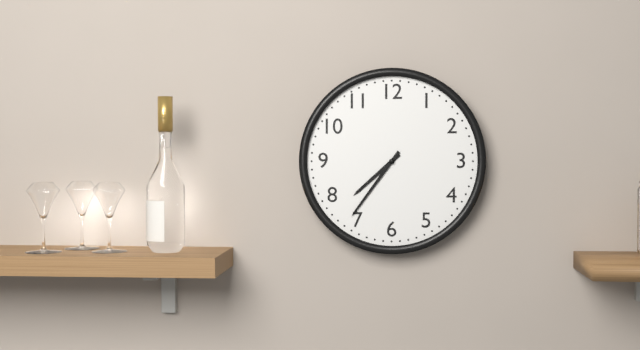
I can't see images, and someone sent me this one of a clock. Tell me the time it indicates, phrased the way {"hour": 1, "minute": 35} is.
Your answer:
{"hour": 7, "minute": 36}
